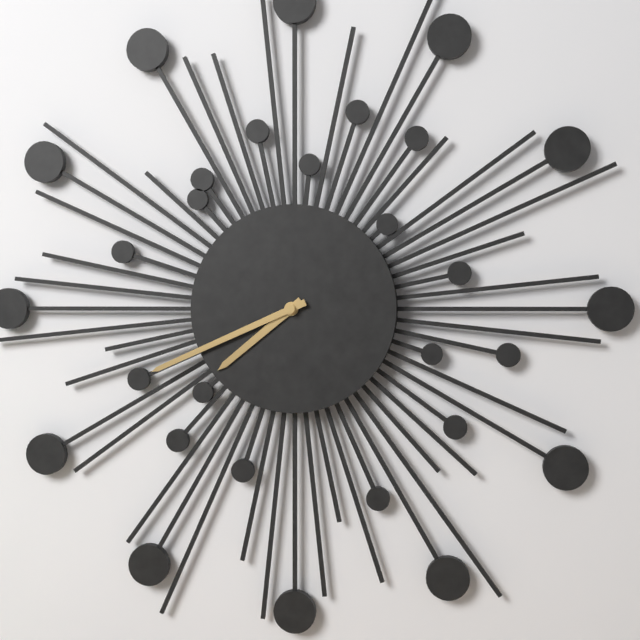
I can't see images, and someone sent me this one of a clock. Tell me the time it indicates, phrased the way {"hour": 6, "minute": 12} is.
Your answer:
{"hour": 7, "minute": 41}
